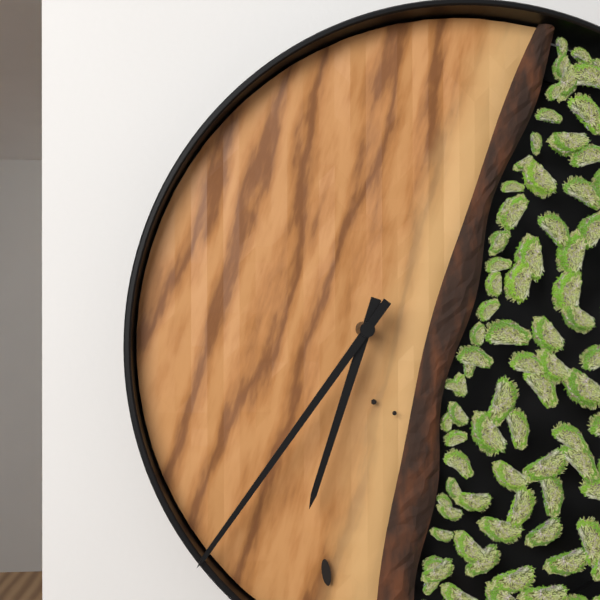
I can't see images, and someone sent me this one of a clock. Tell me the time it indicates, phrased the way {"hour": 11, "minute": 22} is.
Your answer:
{"hour": 6, "minute": 36}
